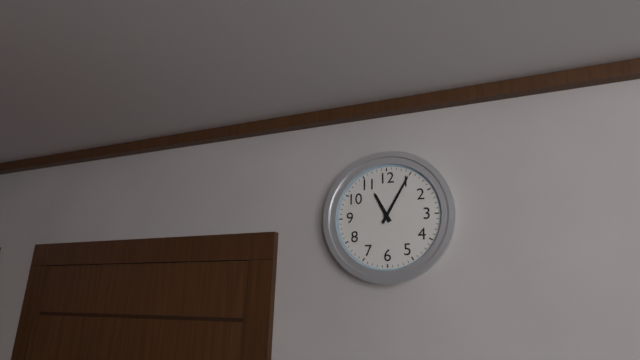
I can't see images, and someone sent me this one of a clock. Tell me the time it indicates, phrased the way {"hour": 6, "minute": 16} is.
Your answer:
{"hour": 11, "minute": 5}
